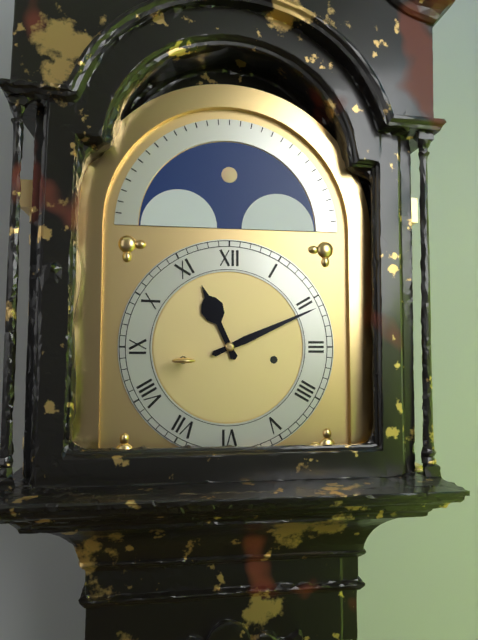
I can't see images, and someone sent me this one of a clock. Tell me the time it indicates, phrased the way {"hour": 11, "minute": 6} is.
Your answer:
{"hour": 11, "minute": 11}
